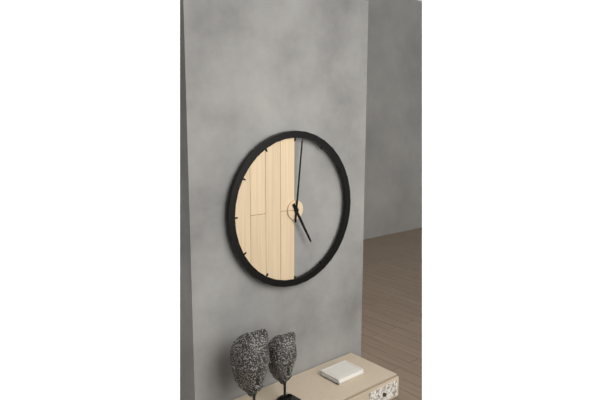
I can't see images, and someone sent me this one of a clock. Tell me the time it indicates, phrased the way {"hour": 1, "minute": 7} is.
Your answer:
{"hour": 5, "minute": 1}
